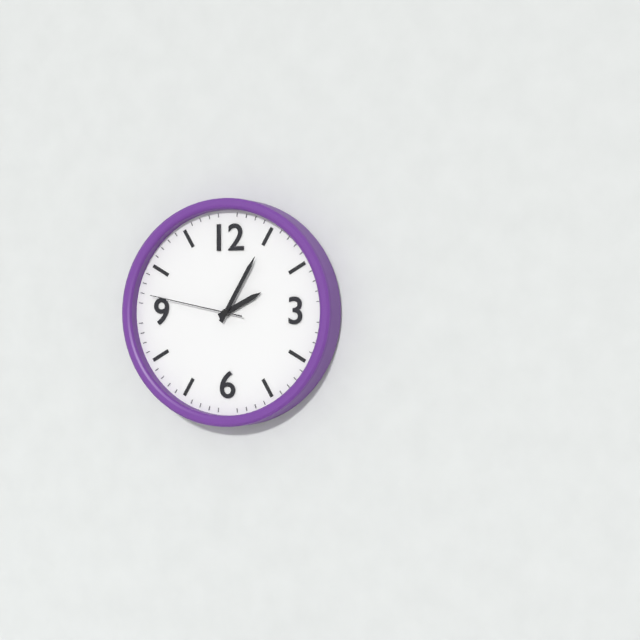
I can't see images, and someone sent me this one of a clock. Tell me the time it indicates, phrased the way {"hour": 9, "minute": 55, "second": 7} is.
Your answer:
{"hour": 2, "minute": 5, "second": 47}
